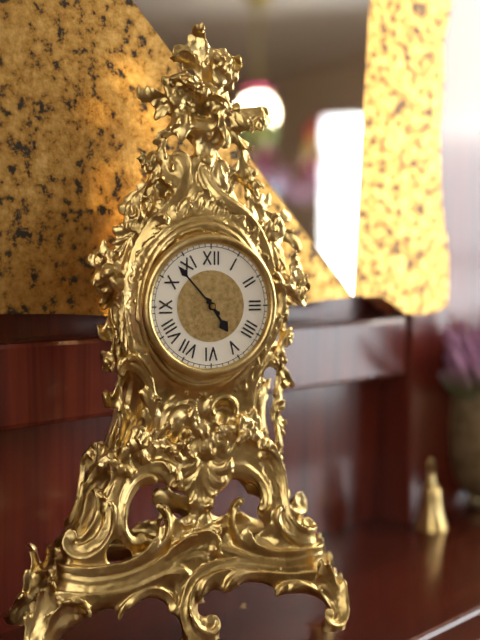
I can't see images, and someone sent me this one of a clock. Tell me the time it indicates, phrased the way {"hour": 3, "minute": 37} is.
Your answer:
{"hour": 4, "minute": 53}
